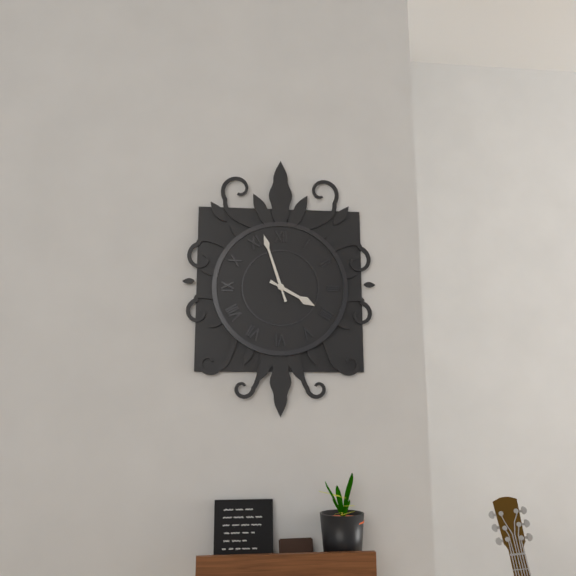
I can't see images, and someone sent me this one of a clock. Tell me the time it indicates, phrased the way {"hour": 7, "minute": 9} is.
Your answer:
{"hour": 3, "minute": 57}
